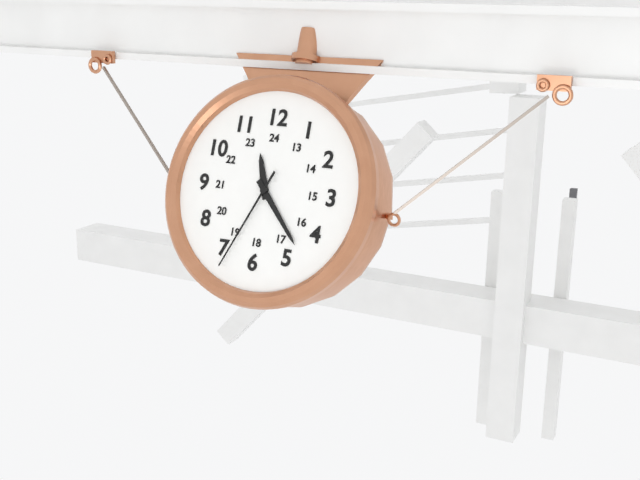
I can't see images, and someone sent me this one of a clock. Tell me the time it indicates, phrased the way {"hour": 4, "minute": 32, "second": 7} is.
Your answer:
{"hour": 11, "minute": 23, "second": 34}
